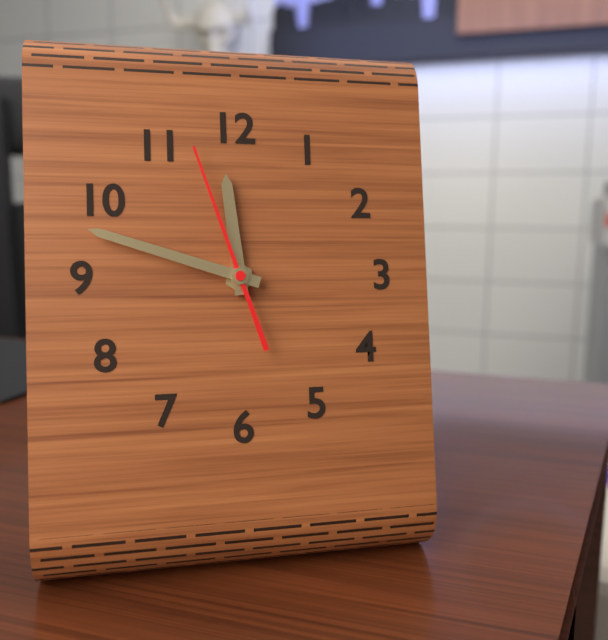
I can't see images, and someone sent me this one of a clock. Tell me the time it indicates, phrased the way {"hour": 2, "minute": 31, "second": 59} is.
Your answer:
{"hour": 11, "minute": 48, "second": 57}
